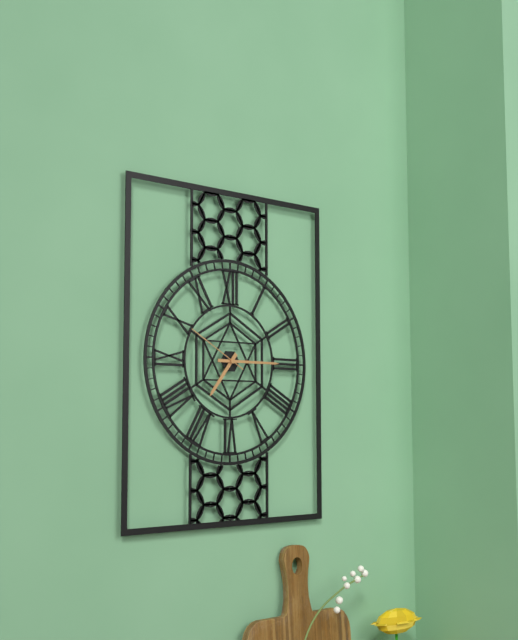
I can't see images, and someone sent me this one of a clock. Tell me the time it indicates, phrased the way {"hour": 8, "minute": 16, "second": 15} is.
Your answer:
{"hour": 7, "minute": 15, "second": 50}
